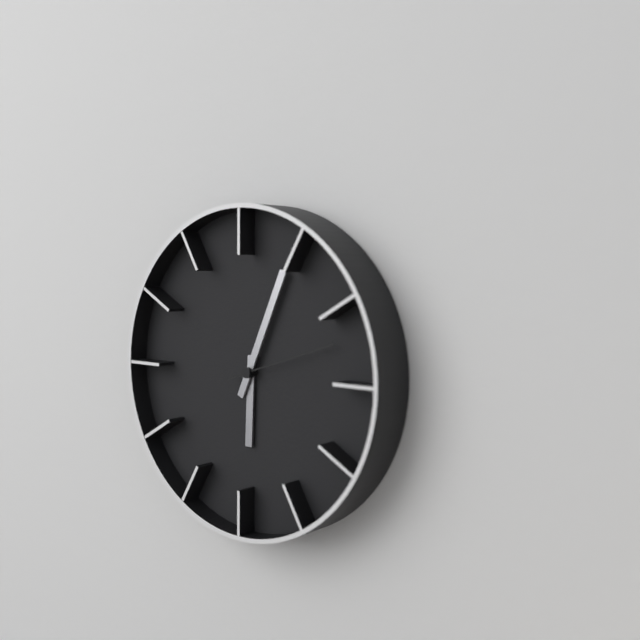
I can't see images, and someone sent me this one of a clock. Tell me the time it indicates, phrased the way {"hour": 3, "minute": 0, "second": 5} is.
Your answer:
{"hour": 6, "minute": 4, "second": 12}
